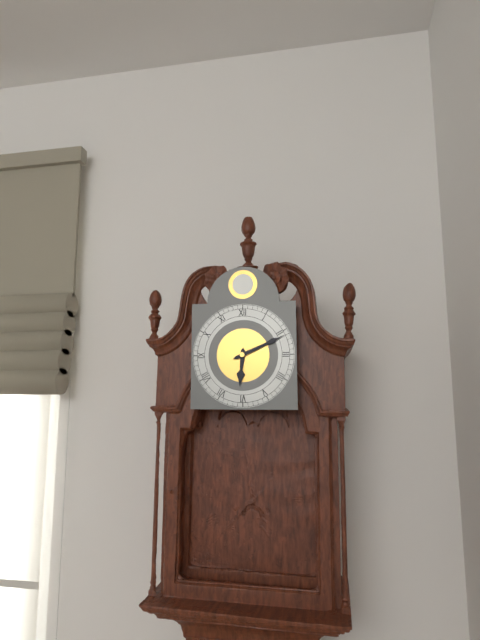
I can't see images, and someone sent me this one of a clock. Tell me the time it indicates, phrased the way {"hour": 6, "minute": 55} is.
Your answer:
{"hour": 6, "minute": 11}
